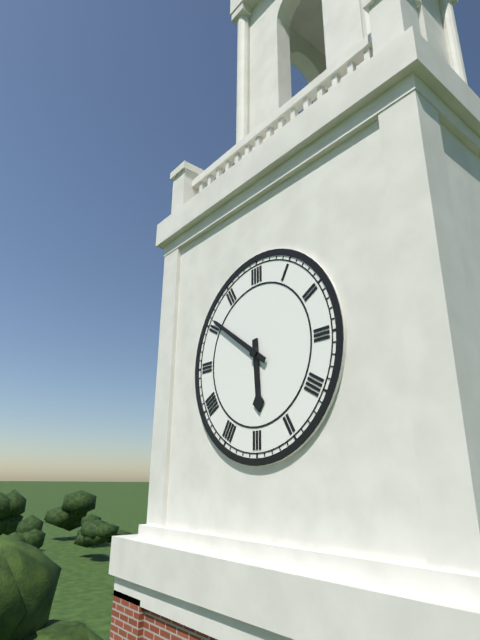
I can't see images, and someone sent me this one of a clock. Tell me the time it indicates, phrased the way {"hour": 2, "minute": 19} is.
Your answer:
{"hour": 5, "minute": 51}
